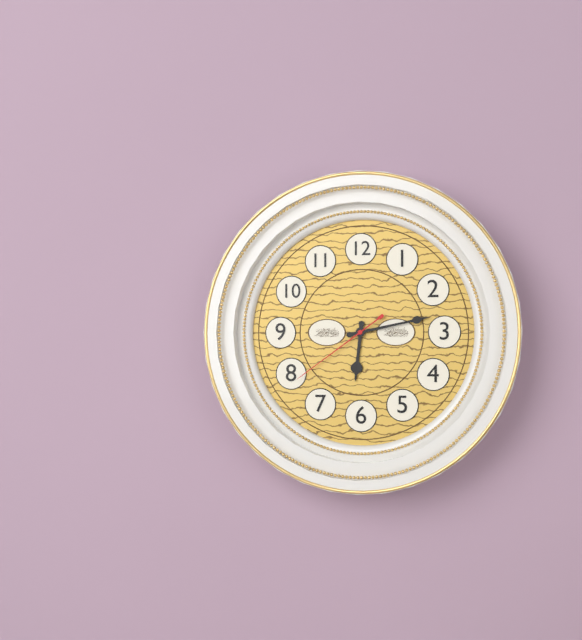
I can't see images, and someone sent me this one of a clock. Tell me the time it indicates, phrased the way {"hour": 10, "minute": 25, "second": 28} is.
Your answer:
{"hour": 6, "minute": 13, "second": 39}
